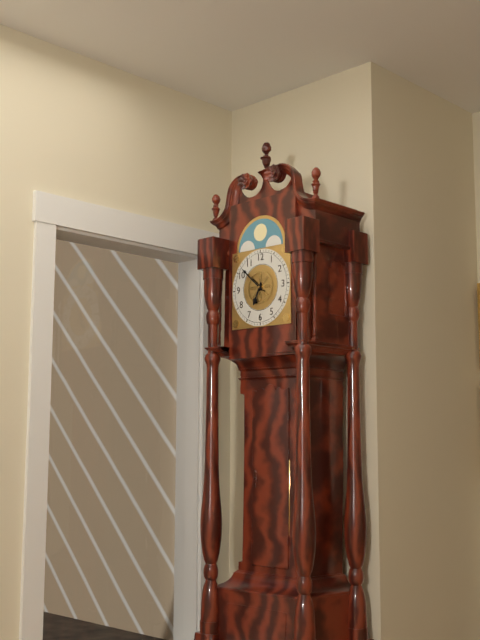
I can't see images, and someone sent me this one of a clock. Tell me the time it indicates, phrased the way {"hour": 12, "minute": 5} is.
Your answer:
{"hour": 6, "minute": 52}
